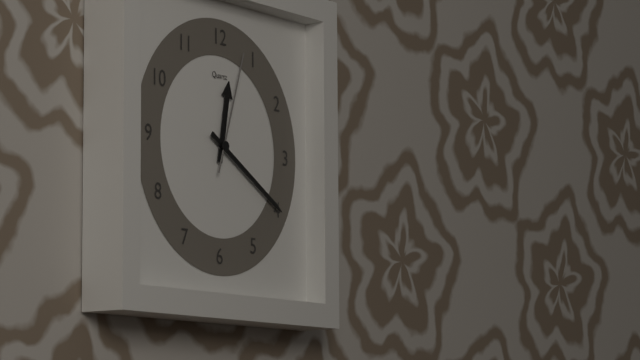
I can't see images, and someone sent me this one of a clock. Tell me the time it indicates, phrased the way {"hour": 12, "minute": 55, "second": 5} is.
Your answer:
{"hour": 12, "minute": 20, "second": 3}
